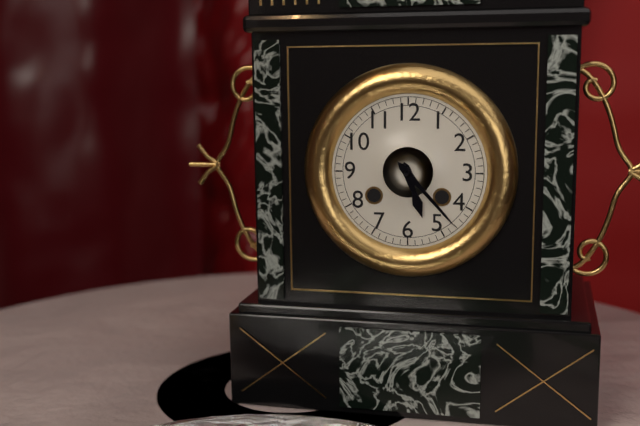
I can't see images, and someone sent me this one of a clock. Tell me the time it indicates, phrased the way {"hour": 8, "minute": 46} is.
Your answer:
{"hour": 5, "minute": 23}
